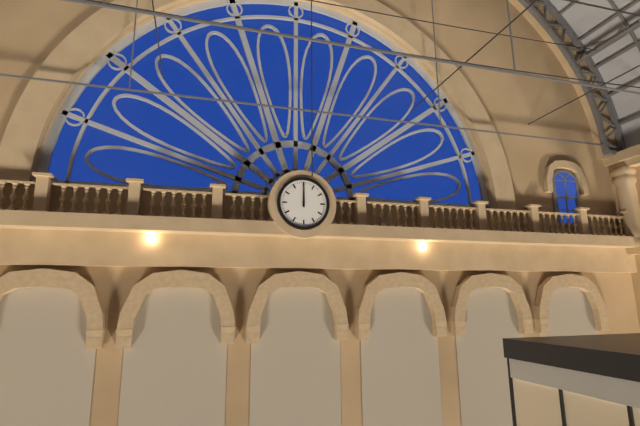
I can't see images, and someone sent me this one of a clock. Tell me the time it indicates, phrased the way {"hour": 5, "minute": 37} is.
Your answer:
{"hour": 12, "minute": 0}
